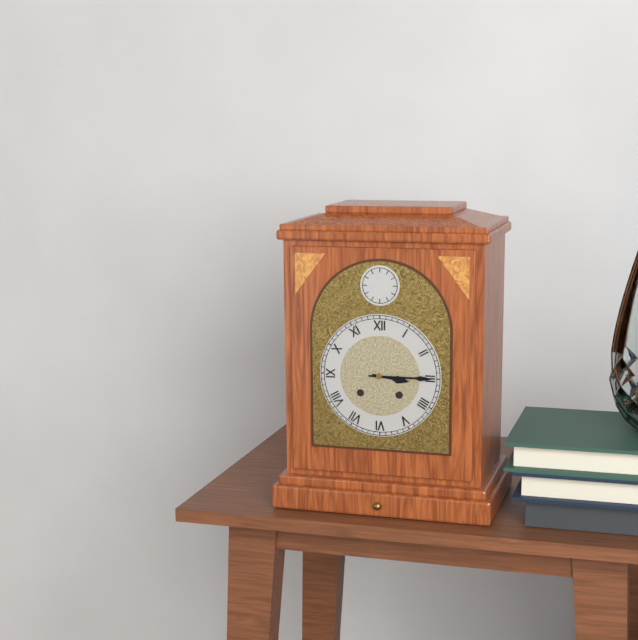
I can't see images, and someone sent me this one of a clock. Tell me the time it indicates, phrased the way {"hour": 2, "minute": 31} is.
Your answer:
{"hour": 3, "minute": 15}
